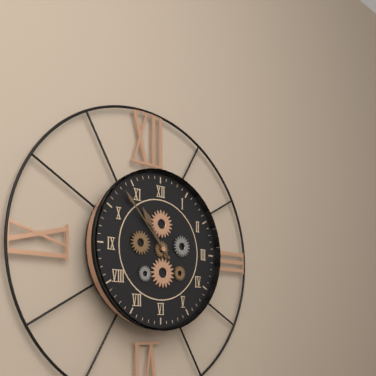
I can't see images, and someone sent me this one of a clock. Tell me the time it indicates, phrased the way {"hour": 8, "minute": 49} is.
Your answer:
{"hour": 10, "minute": 53}
